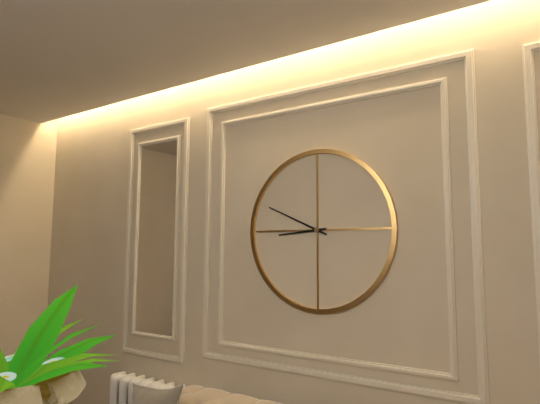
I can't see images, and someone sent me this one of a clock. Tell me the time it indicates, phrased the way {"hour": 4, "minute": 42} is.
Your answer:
{"hour": 8, "minute": 49}
